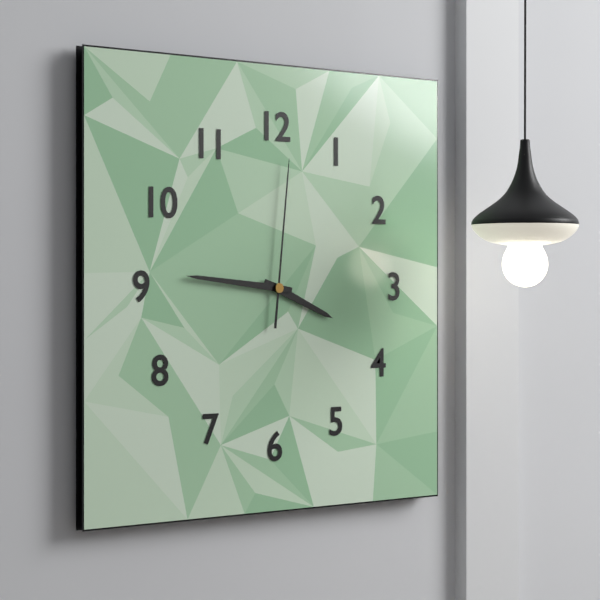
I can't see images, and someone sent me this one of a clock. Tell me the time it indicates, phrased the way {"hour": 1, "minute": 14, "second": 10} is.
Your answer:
{"hour": 3, "minute": 46, "second": 1}
